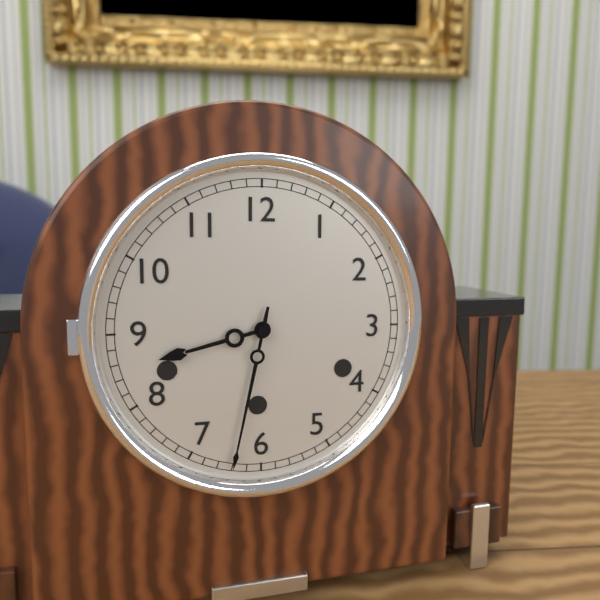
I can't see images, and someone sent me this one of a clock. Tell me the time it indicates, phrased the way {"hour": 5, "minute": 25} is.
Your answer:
{"hour": 8, "minute": 32}
